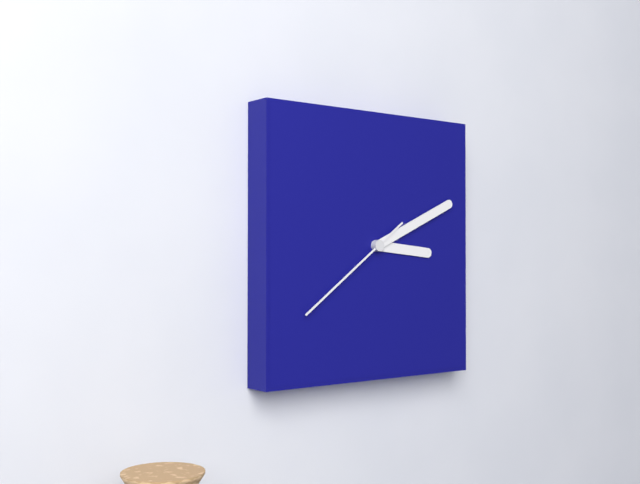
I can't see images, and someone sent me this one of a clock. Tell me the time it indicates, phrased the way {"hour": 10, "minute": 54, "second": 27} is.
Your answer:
{"hour": 3, "minute": 11, "second": 39}
